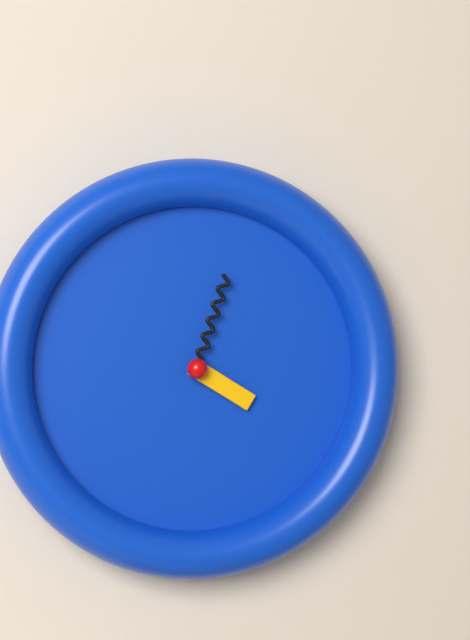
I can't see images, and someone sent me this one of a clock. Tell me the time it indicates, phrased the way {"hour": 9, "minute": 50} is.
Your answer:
{"hour": 4, "minute": 3}
